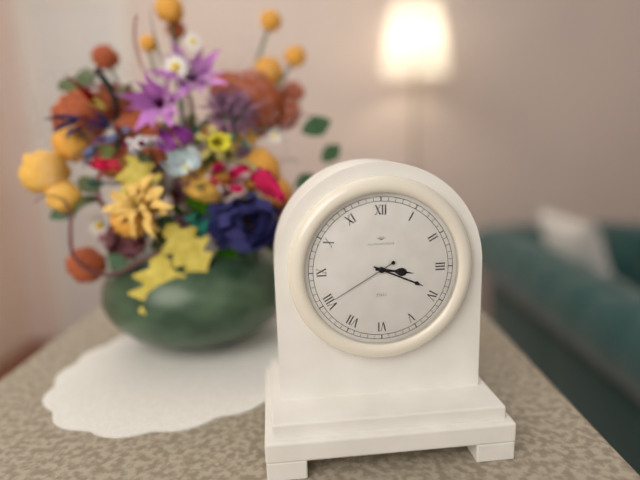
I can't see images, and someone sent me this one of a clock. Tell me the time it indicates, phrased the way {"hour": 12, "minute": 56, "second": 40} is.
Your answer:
{"hour": 3, "minute": 19, "second": 40}
